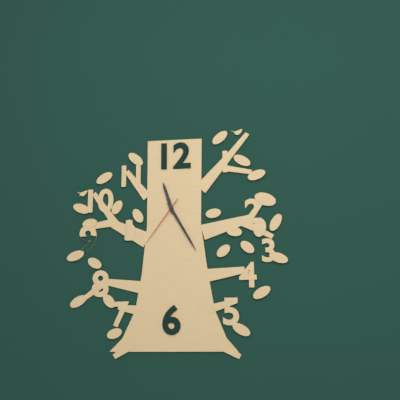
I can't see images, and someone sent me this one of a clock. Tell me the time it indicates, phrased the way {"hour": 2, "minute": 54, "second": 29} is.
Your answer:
{"hour": 11, "minute": 25, "second": 36}
